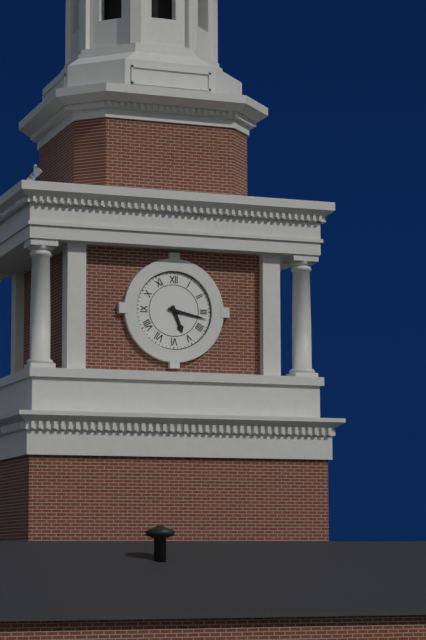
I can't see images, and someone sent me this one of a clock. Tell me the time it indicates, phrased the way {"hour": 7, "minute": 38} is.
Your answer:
{"hour": 5, "minute": 17}
